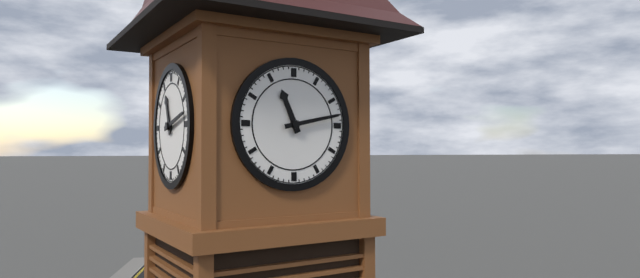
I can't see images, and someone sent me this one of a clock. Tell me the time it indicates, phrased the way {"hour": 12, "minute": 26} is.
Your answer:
{"hour": 11, "minute": 13}
